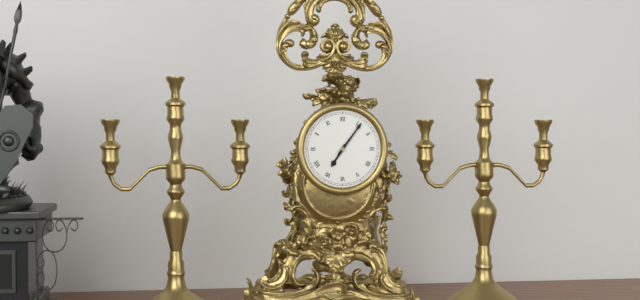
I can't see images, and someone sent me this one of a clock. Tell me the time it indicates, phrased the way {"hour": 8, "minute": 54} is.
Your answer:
{"hour": 7, "minute": 6}
